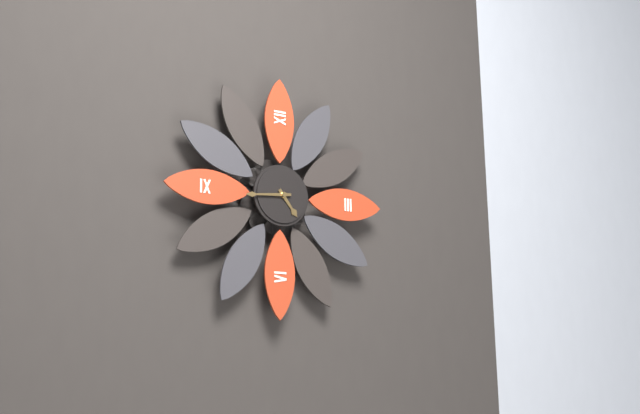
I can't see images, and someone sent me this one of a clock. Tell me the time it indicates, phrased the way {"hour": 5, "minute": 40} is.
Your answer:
{"hour": 4, "minute": 44}
